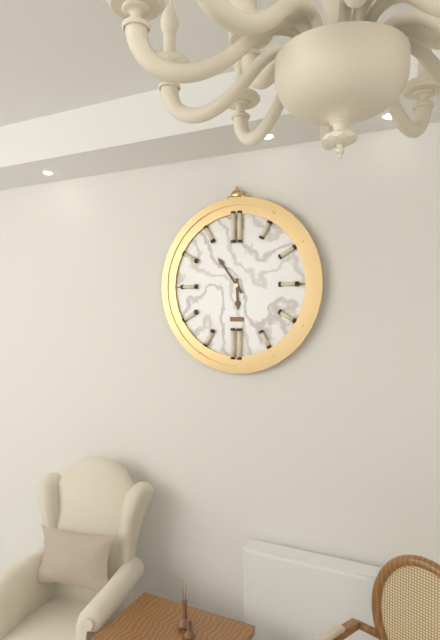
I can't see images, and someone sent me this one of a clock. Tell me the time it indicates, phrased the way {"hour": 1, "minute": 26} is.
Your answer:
{"hour": 5, "minute": 54}
